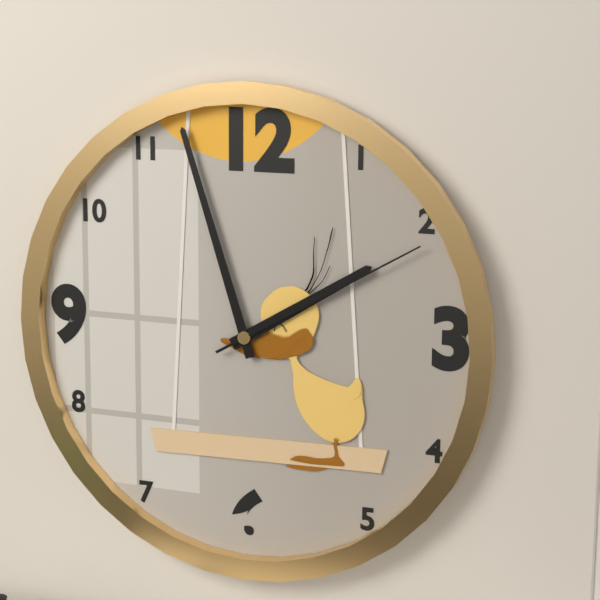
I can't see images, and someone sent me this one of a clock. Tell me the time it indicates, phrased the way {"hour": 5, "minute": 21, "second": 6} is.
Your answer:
{"hour": 1, "minute": 57, "second": 10}
